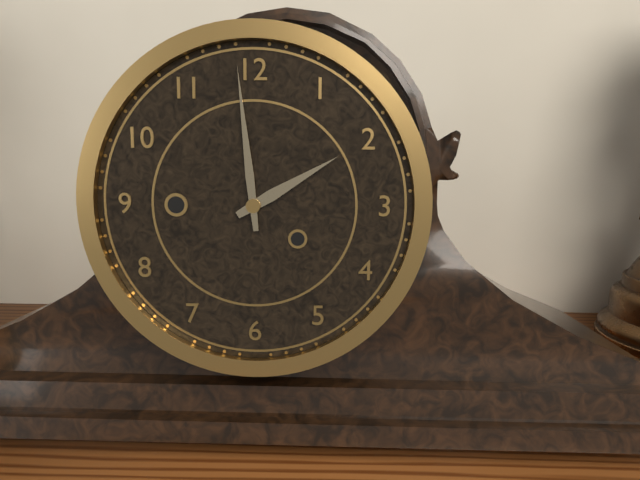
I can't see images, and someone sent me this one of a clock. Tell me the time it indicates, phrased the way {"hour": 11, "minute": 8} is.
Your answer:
{"hour": 1, "minute": 59}
